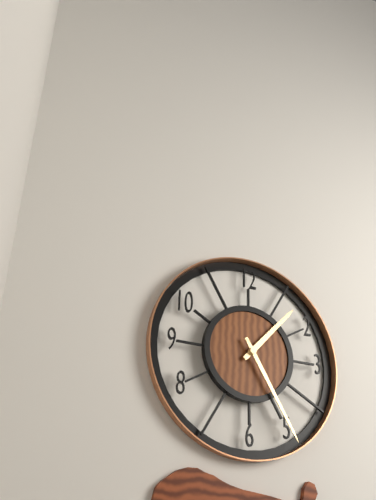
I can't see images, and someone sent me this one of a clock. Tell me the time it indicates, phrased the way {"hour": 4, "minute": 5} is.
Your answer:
{"hour": 1, "minute": 25}
